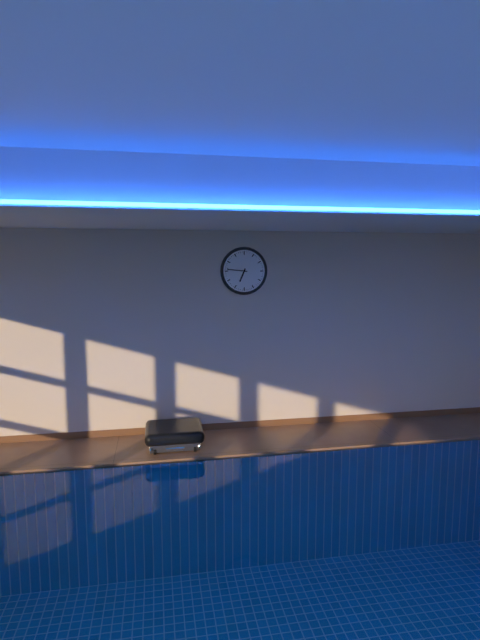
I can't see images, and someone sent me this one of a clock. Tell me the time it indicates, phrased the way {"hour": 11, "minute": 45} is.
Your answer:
{"hour": 6, "minute": 46}
